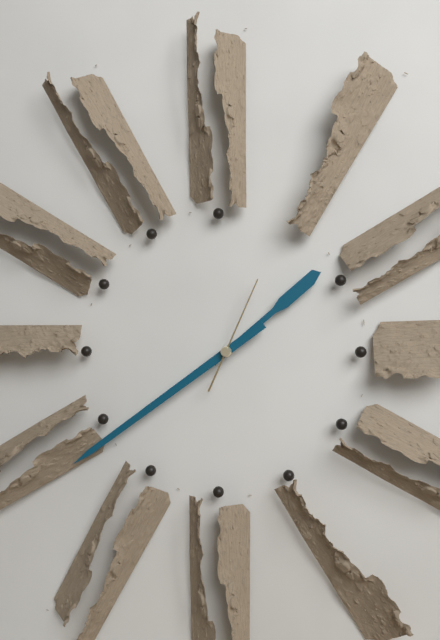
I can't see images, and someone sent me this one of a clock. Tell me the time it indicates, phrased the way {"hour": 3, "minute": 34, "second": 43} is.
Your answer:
{"hour": 1, "minute": 39, "second": 4}
